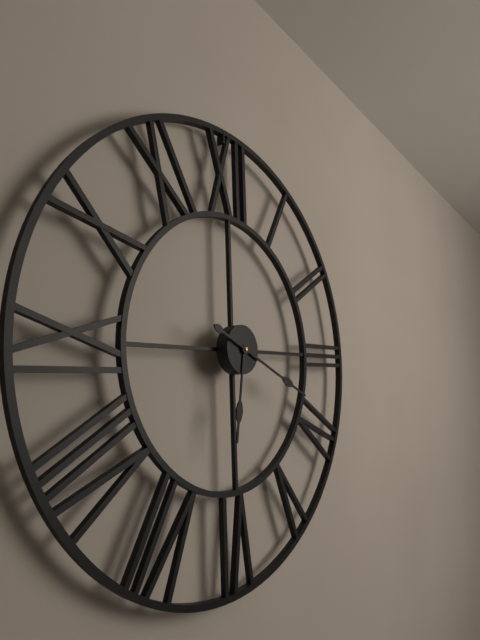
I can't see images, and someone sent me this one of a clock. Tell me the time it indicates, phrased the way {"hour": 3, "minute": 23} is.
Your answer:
{"hour": 6, "minute": 19}
